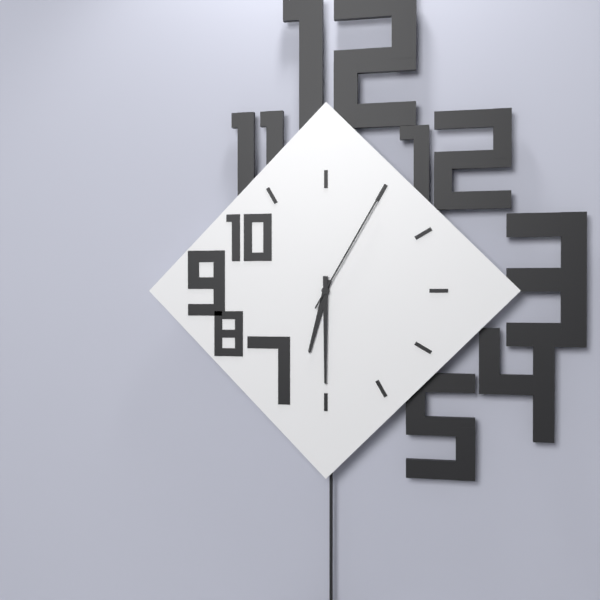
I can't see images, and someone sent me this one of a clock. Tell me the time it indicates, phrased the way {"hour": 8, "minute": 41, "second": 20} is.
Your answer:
{"hour": 6, "minute": 30, "second": 5}
